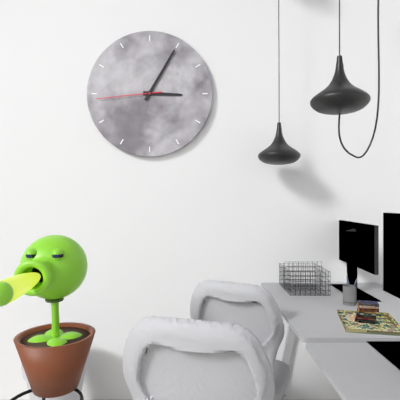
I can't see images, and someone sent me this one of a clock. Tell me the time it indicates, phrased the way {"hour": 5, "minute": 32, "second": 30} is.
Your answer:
{"hour": 3, "minute": 5, "second": 44}
